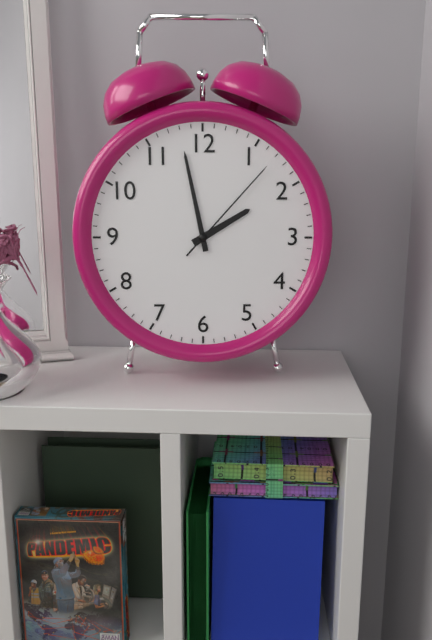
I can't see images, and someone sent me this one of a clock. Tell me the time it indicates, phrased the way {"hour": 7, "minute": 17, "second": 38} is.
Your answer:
{"hour": 1, "minute": 58, "second": 7}
